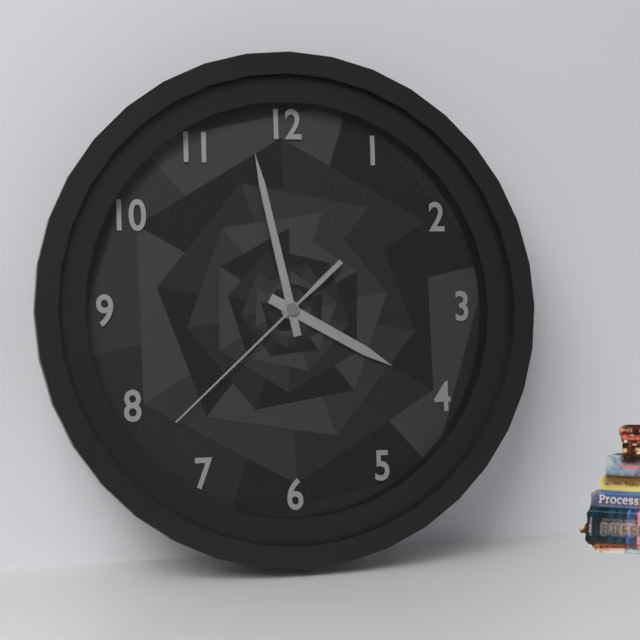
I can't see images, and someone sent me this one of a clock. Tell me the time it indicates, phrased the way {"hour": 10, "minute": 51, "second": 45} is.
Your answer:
{"hour": 3, "minute": 58, "second": 38}
